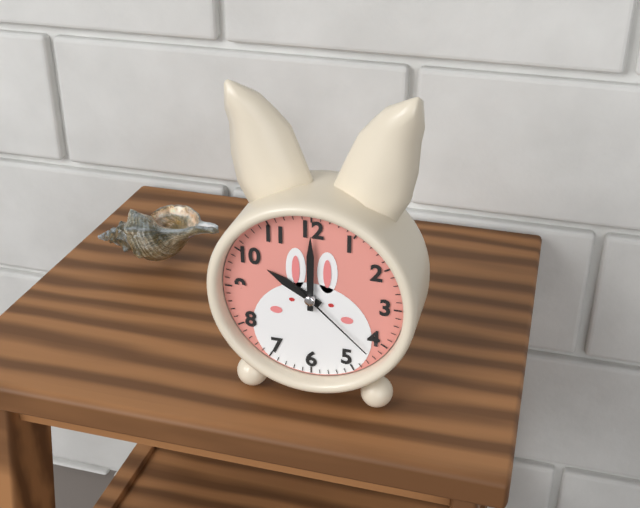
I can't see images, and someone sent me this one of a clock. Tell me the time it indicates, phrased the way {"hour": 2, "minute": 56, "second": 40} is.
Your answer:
{"hour": 10, "minute": 0, "second": 22}
